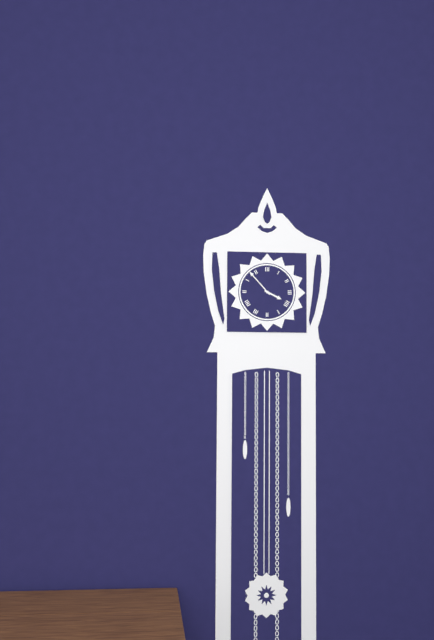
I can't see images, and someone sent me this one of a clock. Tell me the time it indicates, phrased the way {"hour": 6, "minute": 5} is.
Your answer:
{"hour": 3, "minute": 53}
